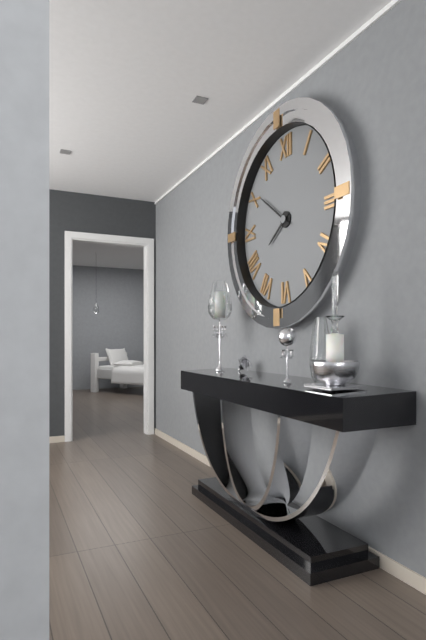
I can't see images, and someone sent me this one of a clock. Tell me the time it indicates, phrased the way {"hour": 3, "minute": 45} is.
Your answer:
{"hour": 7, "minute": 51}
